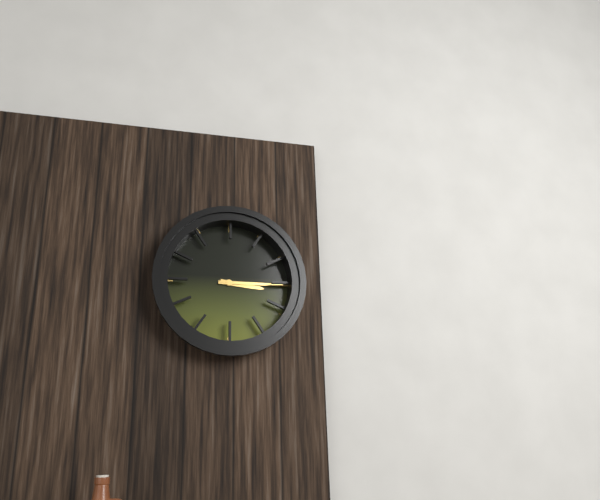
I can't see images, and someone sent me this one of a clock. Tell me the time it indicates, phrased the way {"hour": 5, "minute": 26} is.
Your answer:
{"hour": 3, "minute": 15}
